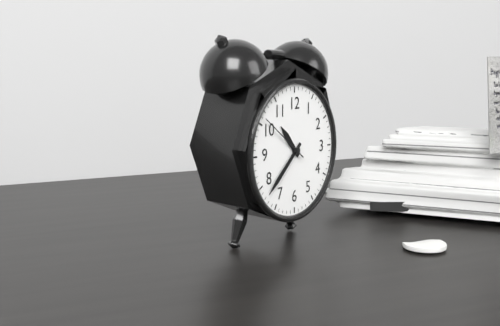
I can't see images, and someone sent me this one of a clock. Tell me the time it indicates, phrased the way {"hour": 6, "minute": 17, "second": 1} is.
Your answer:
{"hour": 10, "minute": 38, "second": 51}
